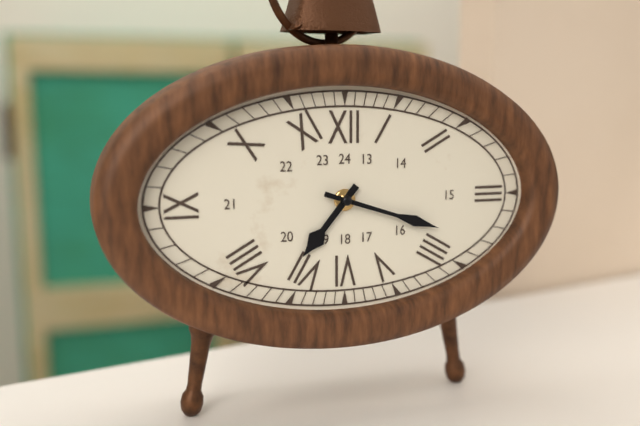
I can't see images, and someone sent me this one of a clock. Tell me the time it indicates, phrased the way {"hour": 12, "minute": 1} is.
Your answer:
{"hour": 7, "minute": 18}
